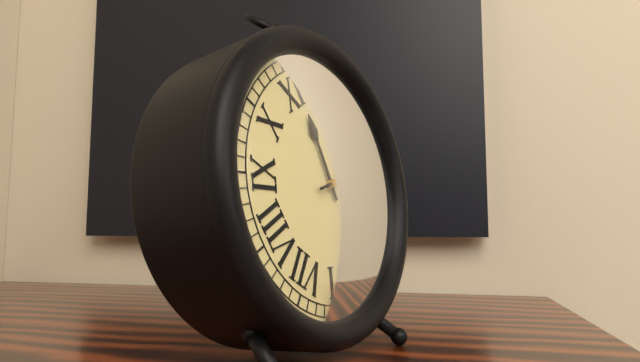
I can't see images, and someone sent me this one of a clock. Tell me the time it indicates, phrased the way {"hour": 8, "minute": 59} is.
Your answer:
{"hour": 11, "minute": 12}
